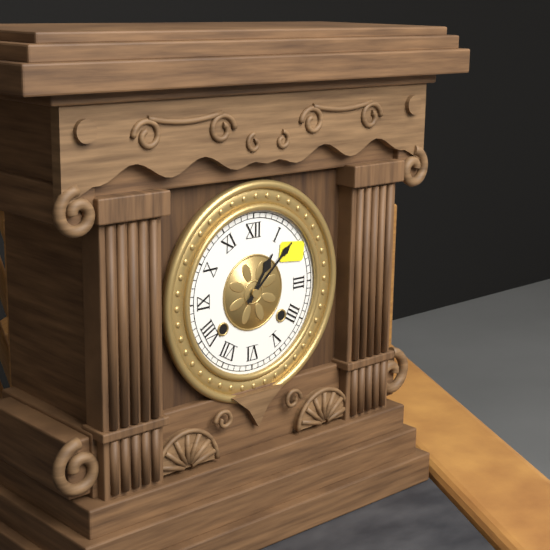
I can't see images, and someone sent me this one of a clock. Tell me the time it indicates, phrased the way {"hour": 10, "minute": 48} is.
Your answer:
{"hour": 1, "minute": 8}
